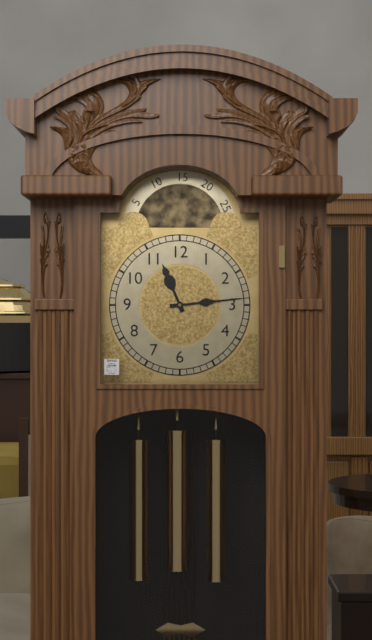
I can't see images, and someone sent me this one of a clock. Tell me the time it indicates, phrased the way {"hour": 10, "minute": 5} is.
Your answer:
{"hour": 11, "minute": 14}
